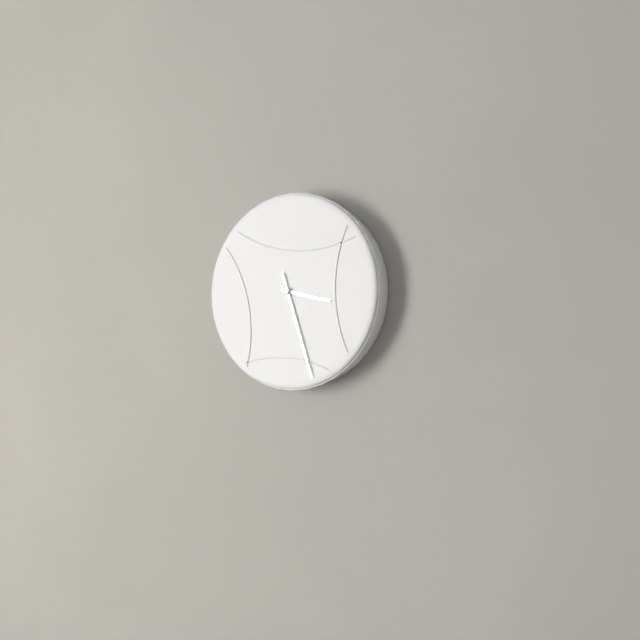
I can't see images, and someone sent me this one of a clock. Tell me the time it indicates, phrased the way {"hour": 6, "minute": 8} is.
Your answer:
{"hour": 3, "minute": 27}
